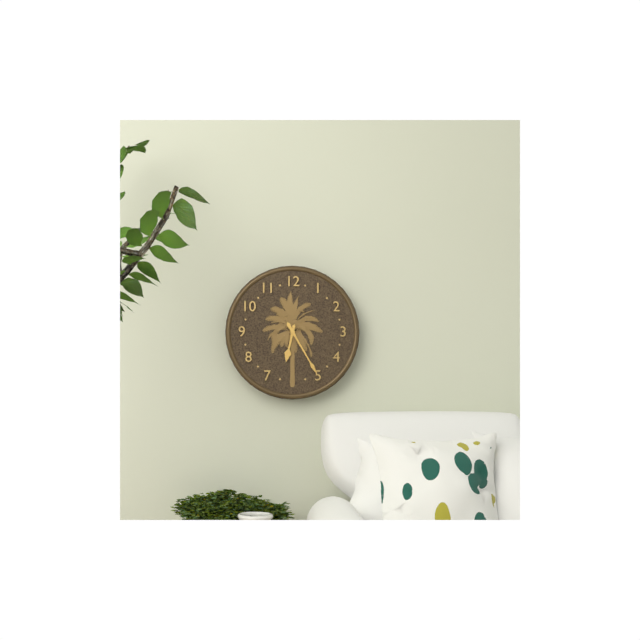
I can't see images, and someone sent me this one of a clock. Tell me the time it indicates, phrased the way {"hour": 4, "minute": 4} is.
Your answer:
{"hour": 6, "minute": 25}
